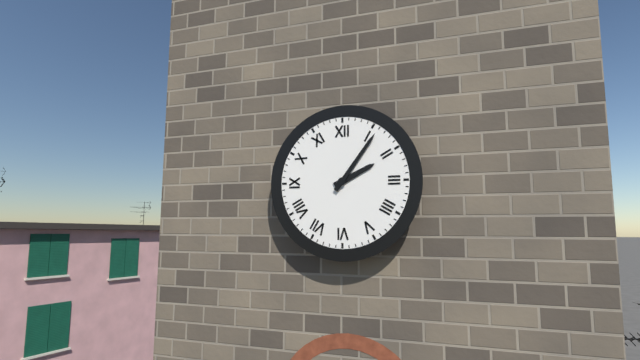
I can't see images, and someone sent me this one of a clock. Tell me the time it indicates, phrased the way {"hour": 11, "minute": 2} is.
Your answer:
{"hour": 2, "minute": 6}
